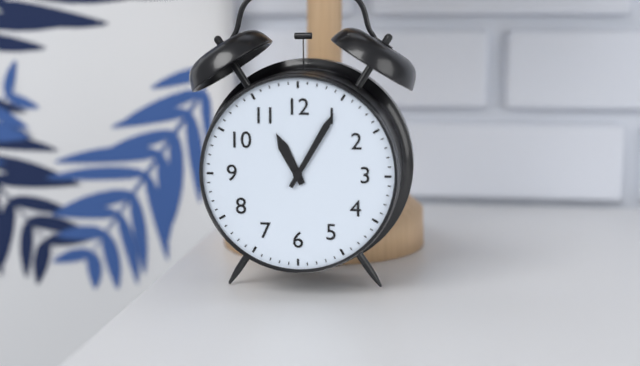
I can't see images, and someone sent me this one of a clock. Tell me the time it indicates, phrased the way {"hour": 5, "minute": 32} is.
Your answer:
{"hour": 11, "minute": 5}
